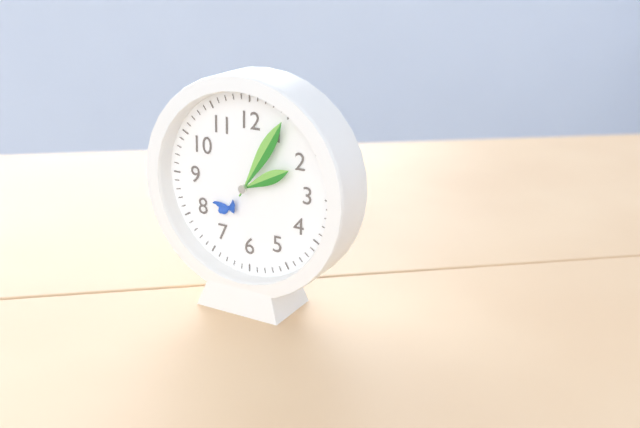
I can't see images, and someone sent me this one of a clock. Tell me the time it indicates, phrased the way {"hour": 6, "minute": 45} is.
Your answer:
{"hour": 2, "minute": 5}
